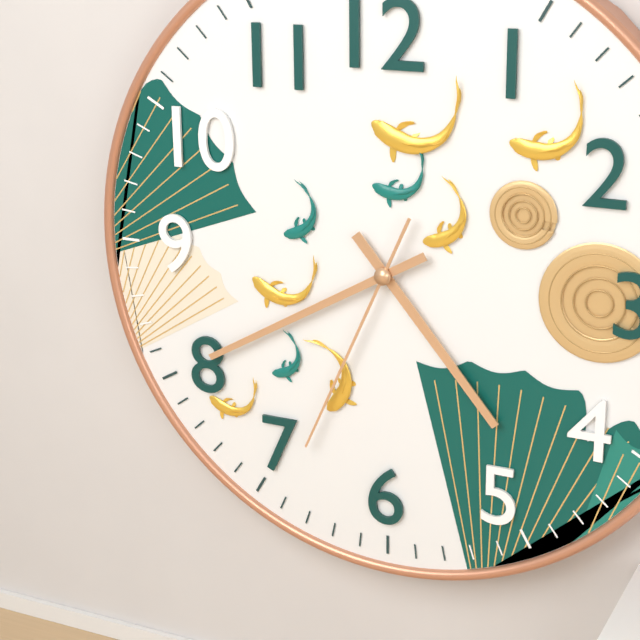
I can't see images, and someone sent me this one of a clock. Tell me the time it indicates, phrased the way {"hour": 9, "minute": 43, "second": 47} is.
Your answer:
{"hour": 4, "minute": 40, "second": 34}
